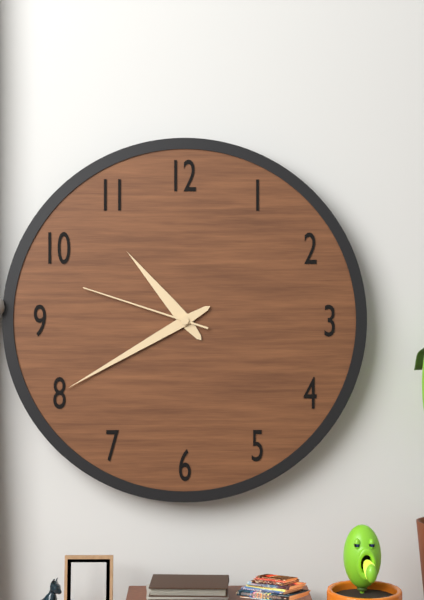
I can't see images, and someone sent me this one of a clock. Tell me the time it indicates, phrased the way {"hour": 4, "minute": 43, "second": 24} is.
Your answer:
{"hour": 10, "minute": 40, "second": 48}
